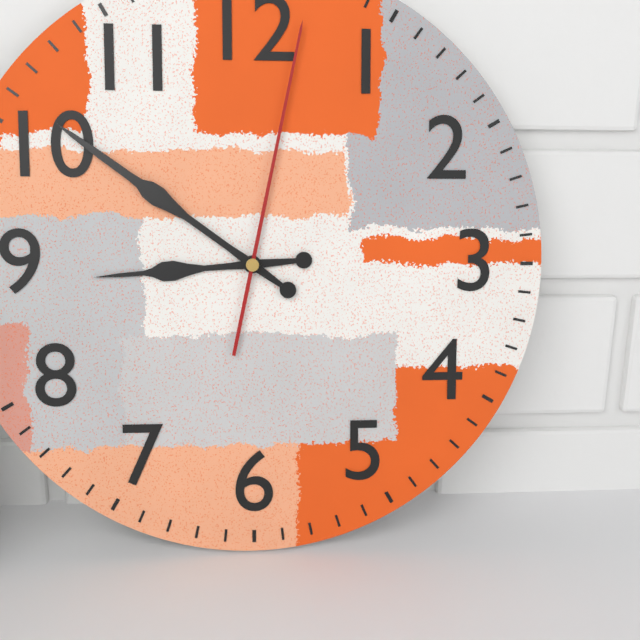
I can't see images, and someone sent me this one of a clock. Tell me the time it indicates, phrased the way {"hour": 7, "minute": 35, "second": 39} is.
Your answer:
{"hour": 8, "minute": 51, "second": 2}
